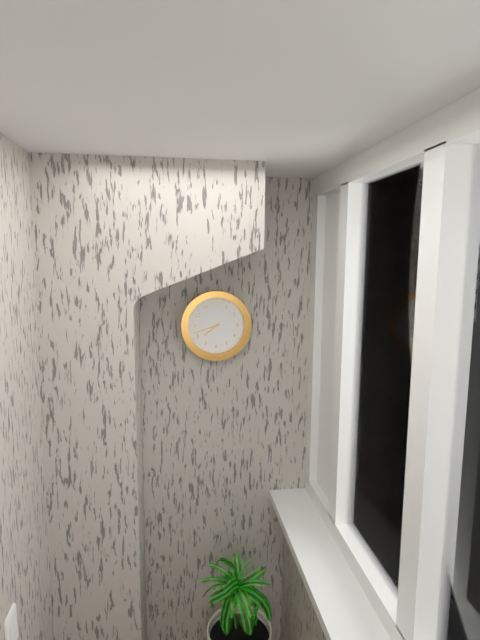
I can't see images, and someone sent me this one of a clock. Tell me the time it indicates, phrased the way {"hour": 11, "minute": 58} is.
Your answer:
{"hour": 7, "minute": 42}
